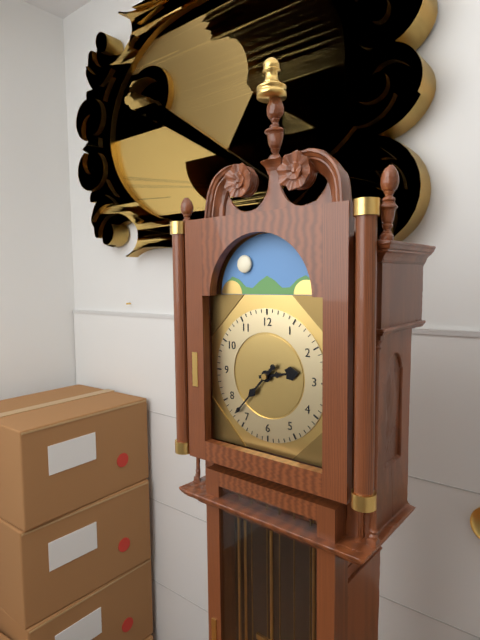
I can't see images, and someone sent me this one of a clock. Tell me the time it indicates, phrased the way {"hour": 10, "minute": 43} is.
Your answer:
{"hour": 2, "minute": 37}
